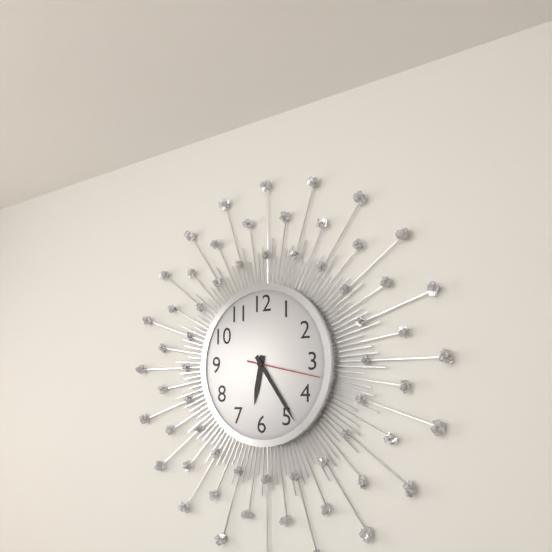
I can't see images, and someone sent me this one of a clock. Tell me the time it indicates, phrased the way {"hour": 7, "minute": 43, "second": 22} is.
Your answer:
{"hour": 6, "minute": 24, "second": 17}
